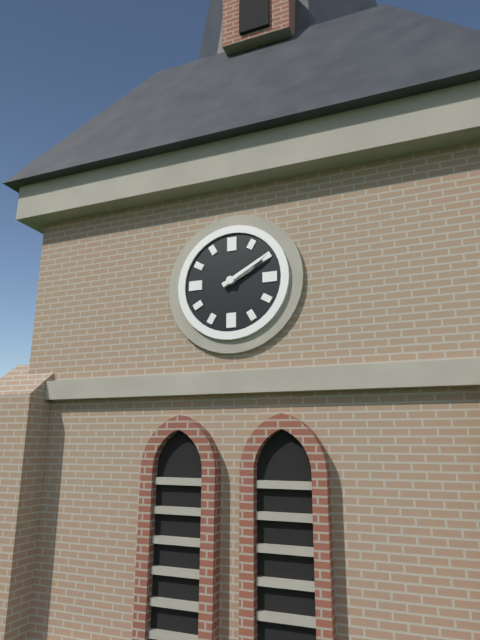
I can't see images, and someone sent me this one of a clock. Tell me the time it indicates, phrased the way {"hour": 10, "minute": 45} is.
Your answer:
{"hour": 2, "minute": 10}
